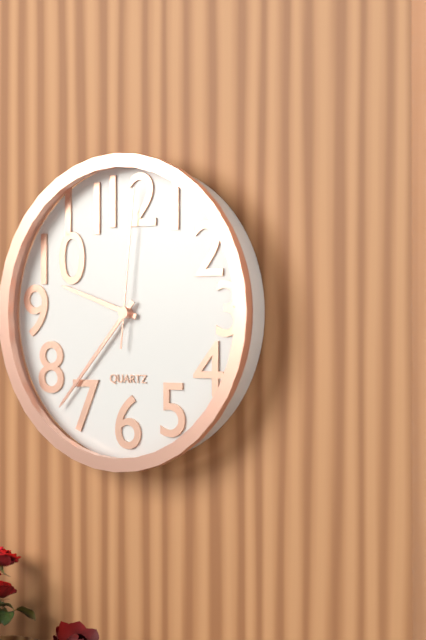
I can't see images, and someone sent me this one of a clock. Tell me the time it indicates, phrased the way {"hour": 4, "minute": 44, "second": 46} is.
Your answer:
{"hour": 9, "minute": 37, "second": 1}
